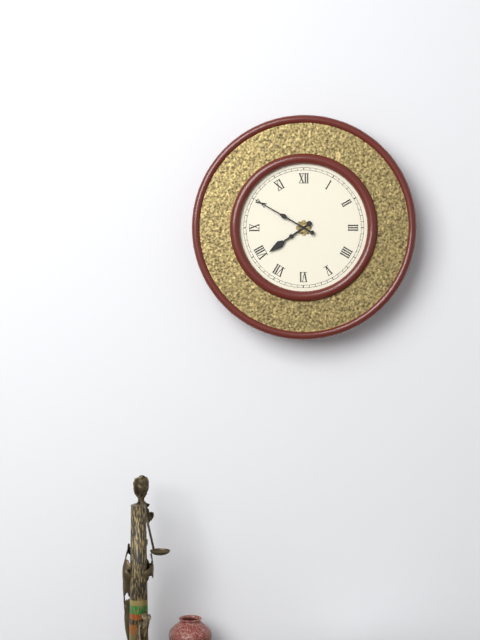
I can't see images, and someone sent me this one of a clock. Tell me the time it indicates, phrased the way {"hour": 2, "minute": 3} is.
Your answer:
{"hour": 7, "minute": 50}
